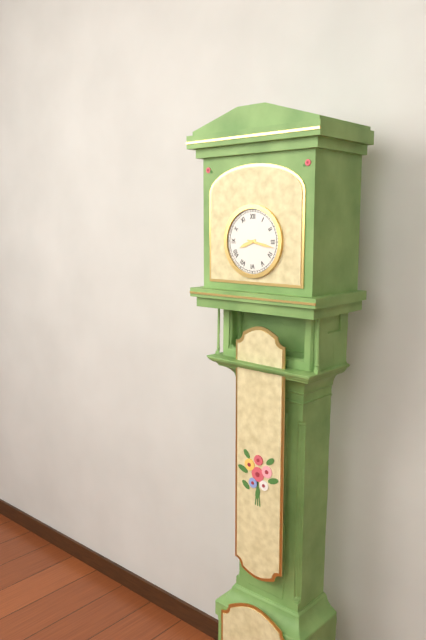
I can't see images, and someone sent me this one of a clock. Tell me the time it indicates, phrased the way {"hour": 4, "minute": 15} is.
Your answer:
{"hour": 8, "minute": 17}
